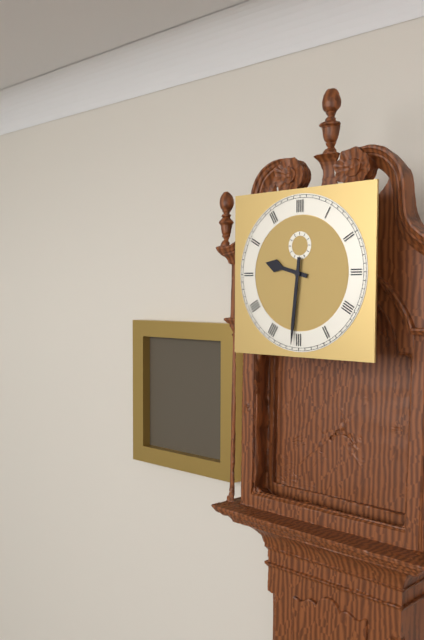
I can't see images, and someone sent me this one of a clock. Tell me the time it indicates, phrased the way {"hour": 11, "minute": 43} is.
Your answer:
{"hour": 9, "minute": 31}
